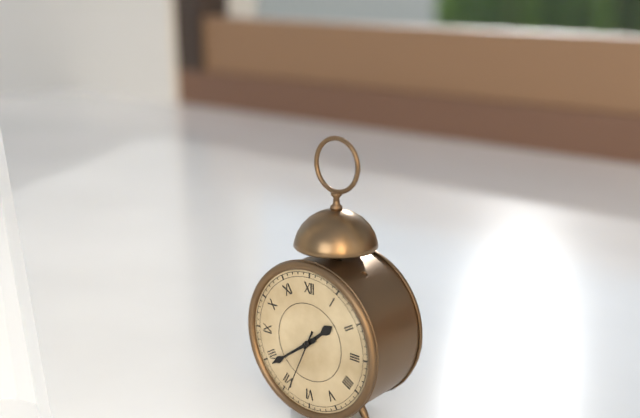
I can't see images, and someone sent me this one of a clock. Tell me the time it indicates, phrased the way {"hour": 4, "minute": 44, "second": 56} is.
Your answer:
{"hour": 1, "minute": 39, "second": 34}
